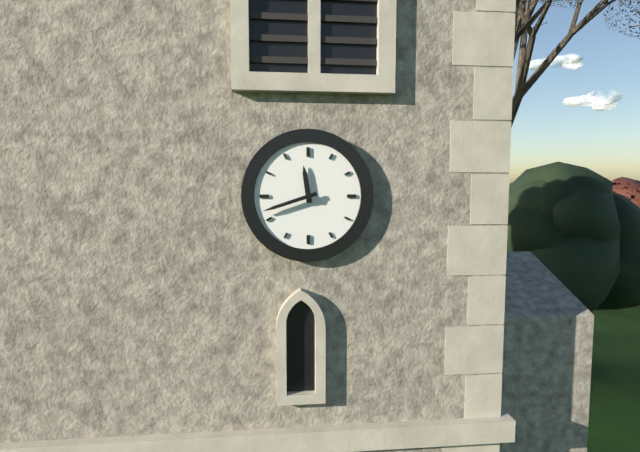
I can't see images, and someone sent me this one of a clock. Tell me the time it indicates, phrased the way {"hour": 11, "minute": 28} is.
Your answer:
{"hour": 11, "minute": 42}
